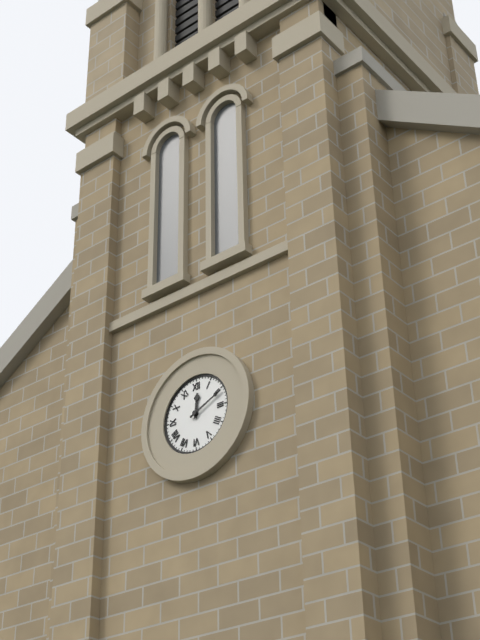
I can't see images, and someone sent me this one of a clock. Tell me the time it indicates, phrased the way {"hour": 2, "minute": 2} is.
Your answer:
{"hour": 12, "minute": 11}
